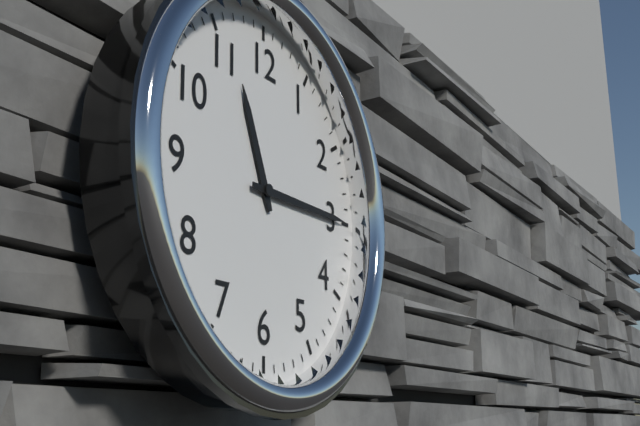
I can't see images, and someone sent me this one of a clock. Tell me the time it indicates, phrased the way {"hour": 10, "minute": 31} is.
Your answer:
{"hour": 11, "minute": 15}
